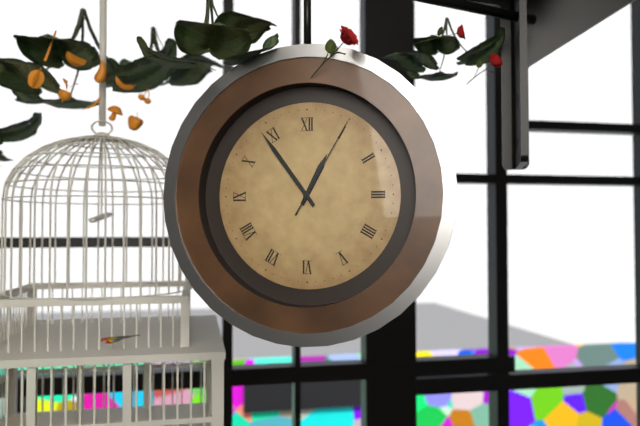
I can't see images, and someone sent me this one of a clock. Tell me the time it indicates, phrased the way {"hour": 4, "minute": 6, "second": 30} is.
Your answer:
{"hour": 12, "minute": 54, "second": 5}
